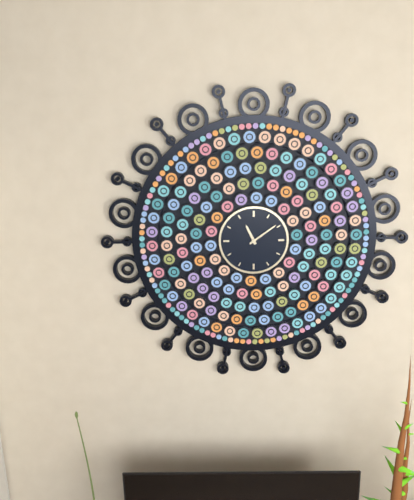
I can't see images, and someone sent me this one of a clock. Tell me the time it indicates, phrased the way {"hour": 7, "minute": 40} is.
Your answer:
{"hour": 11, "minute": 9}
